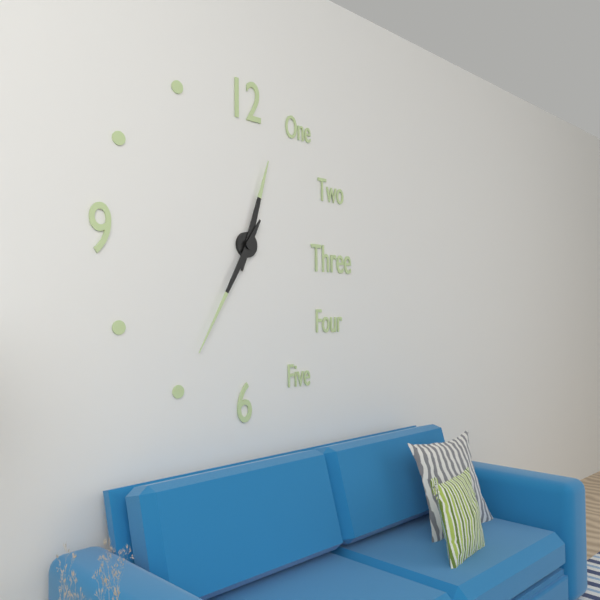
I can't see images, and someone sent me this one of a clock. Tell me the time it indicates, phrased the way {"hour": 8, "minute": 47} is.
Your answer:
{"hour": 12, "minute": 35}
